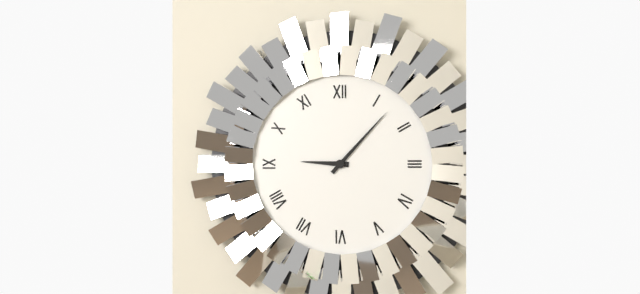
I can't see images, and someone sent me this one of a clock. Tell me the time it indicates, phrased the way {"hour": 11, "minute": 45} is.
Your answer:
{"hour": 9, "minute": 7}
